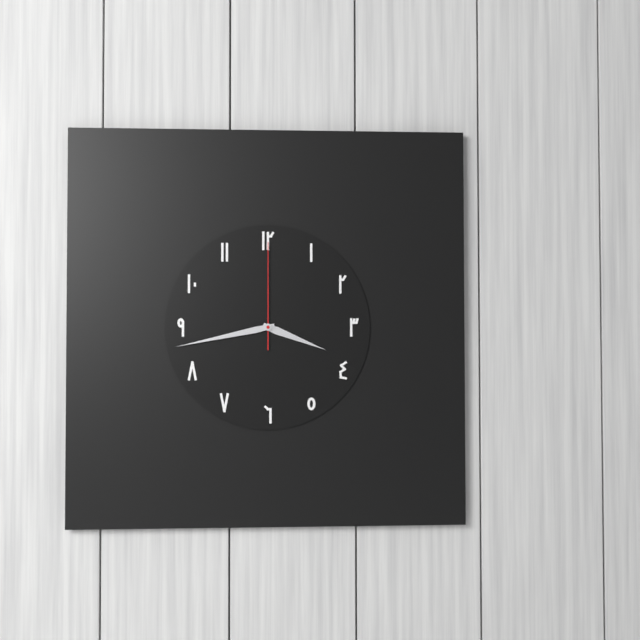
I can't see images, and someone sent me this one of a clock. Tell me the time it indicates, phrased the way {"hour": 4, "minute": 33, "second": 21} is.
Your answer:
{"hour": 3, "minute": 43, "second": 0}
